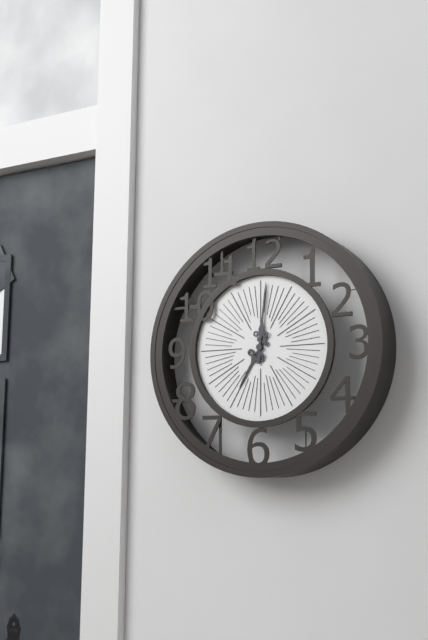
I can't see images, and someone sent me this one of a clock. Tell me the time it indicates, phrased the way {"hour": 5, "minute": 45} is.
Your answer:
{"hour": 7, "minute": 1}
